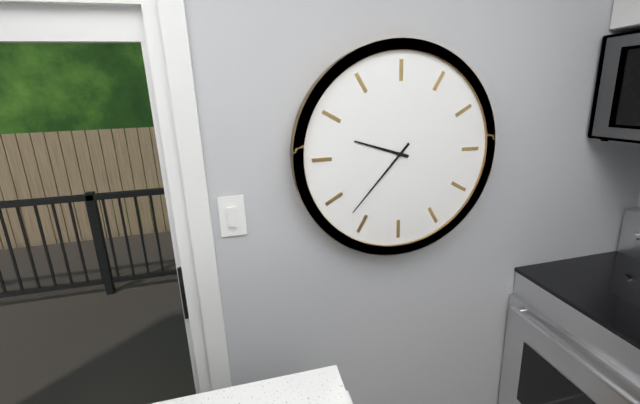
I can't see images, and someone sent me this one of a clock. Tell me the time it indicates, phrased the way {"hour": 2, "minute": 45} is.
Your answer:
{"hour": 9, "minute": 37}
